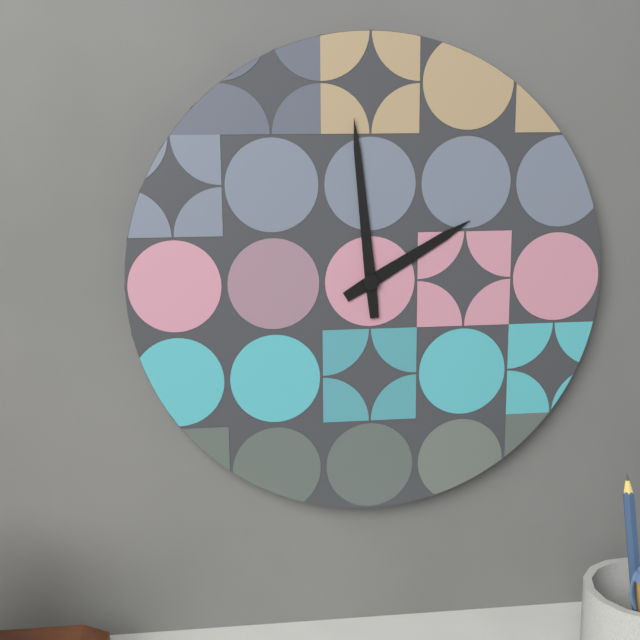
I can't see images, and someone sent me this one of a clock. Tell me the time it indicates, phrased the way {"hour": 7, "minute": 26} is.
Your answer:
{"hour": 1, "minute": 59}
